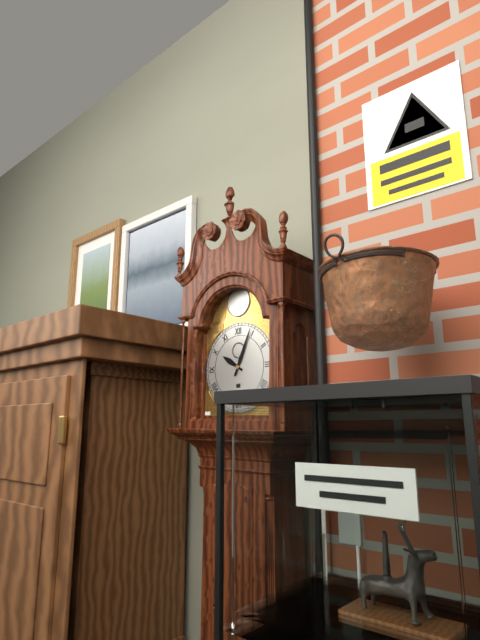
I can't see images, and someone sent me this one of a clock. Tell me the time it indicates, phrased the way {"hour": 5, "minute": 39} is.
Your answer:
{"hour": 10, "minute": 4}
